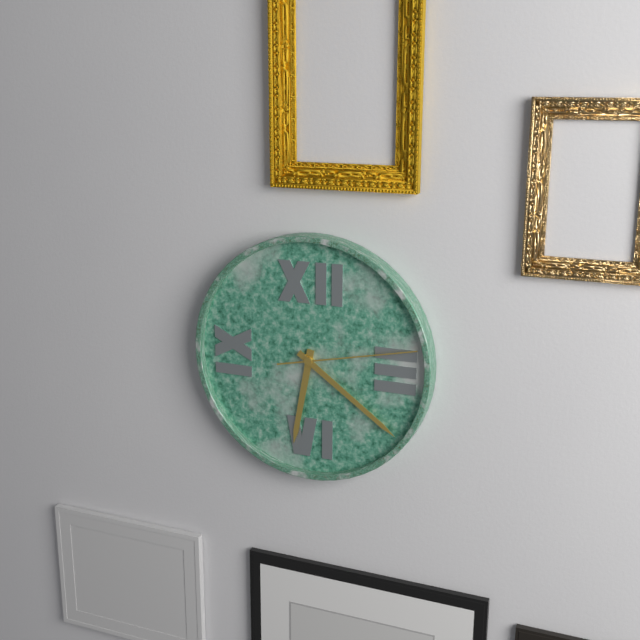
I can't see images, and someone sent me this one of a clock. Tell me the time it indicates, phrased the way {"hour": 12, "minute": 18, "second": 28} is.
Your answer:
{"hour": 6, "minute": 21, "second": 13}
